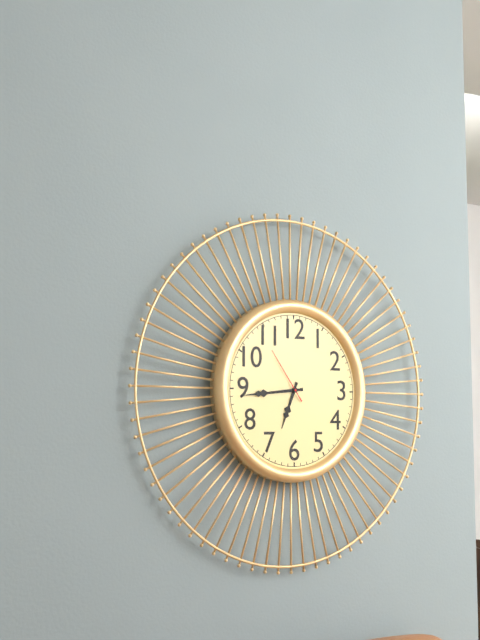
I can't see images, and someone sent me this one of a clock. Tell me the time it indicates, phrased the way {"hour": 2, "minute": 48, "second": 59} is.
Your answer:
{"hour": 6, "minute": 44, "second": 54}
